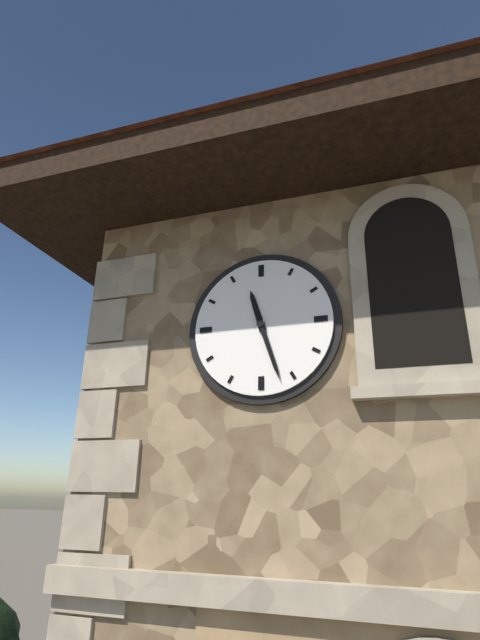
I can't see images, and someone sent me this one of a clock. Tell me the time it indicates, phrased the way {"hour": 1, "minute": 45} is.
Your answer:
{"hour": 11, "minute": 27}
